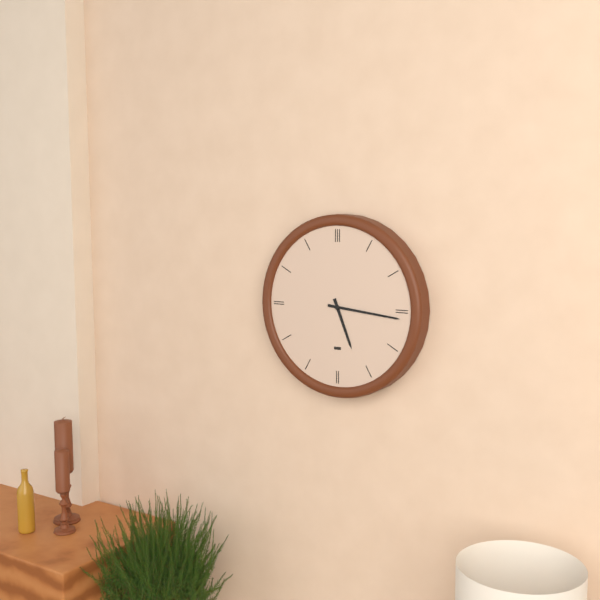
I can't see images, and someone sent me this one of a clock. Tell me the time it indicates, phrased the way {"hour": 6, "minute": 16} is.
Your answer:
{"hour": 5, "minute": 16}
